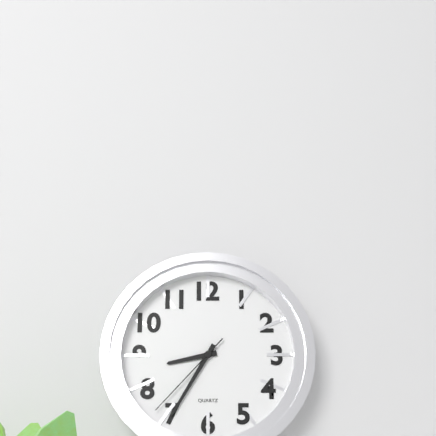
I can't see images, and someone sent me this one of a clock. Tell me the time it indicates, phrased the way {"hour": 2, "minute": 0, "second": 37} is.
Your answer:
{"hour": 8, "minute": 35, "second": 37}
